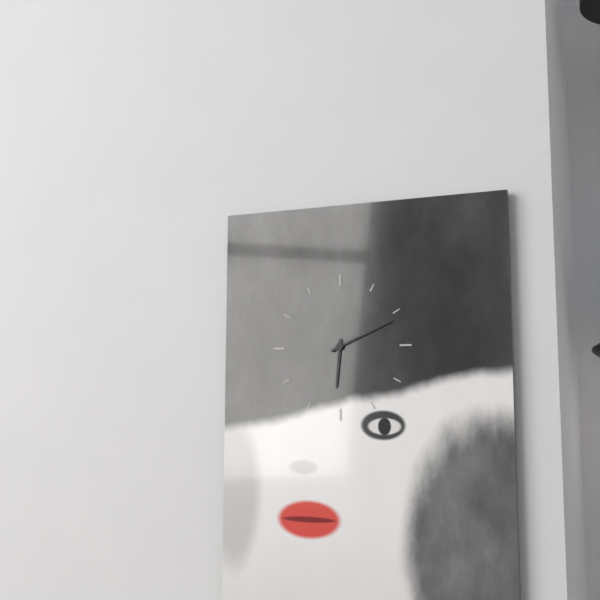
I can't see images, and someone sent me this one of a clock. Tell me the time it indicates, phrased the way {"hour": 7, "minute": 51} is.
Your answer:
{"hour": 6, "minute": 11}
